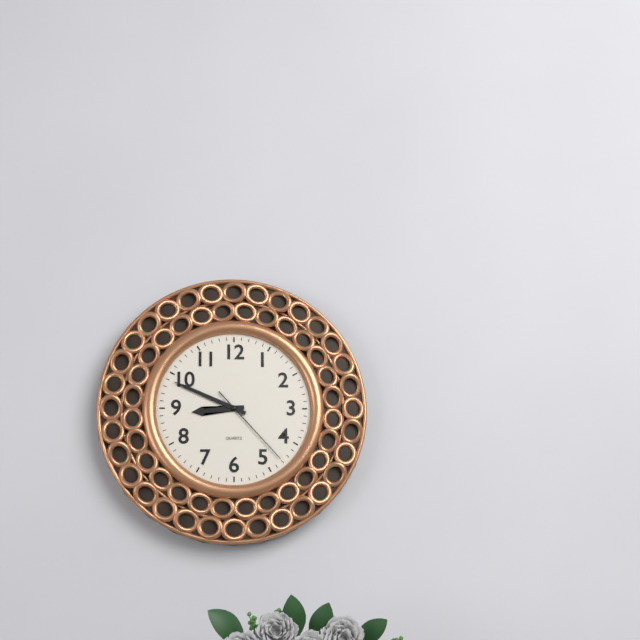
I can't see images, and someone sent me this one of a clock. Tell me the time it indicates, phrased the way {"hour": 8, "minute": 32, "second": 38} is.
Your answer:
{"hour": 8, "minute": 49, "second": 23}
